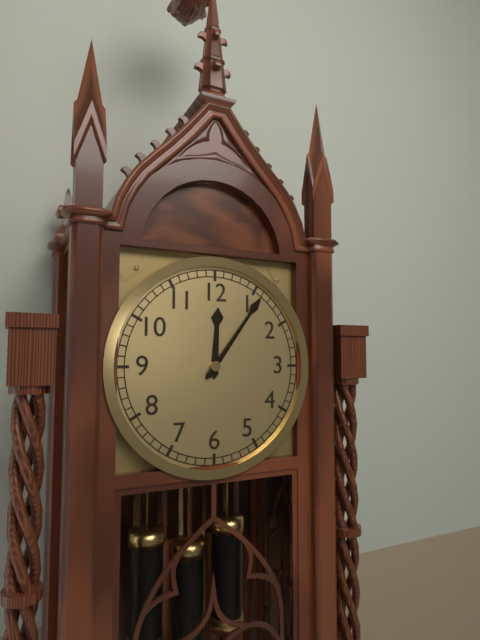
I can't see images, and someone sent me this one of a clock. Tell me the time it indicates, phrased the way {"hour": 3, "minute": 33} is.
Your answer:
{"hour": 12, "minute": 6}
